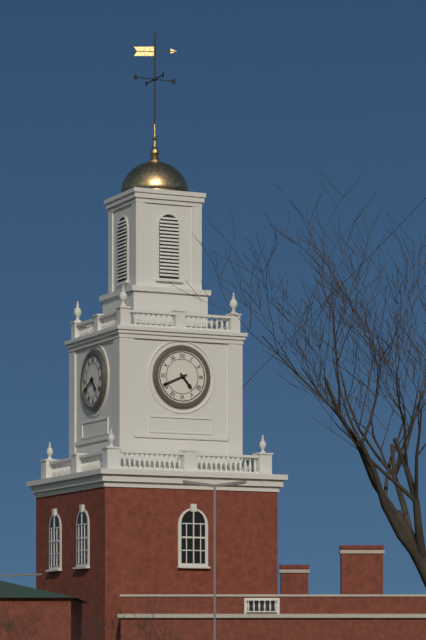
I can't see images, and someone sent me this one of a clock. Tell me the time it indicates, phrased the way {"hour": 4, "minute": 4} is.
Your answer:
{"hour": 4, "minute": 41}
